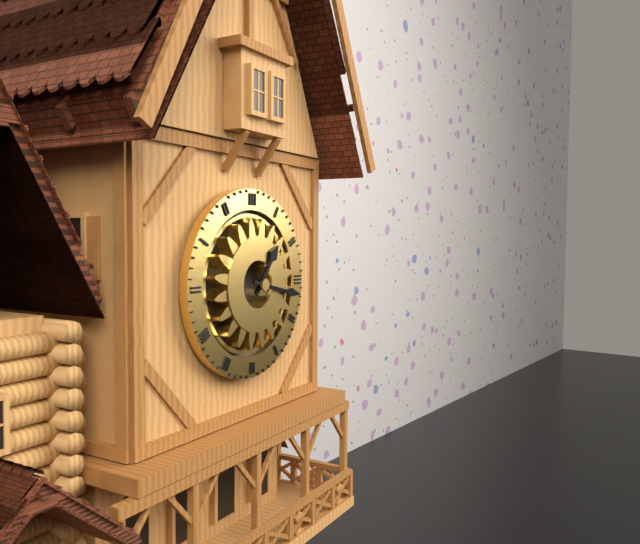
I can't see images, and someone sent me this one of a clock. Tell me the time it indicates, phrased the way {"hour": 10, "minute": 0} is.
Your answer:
{"hour": 1, "minute": 17}
